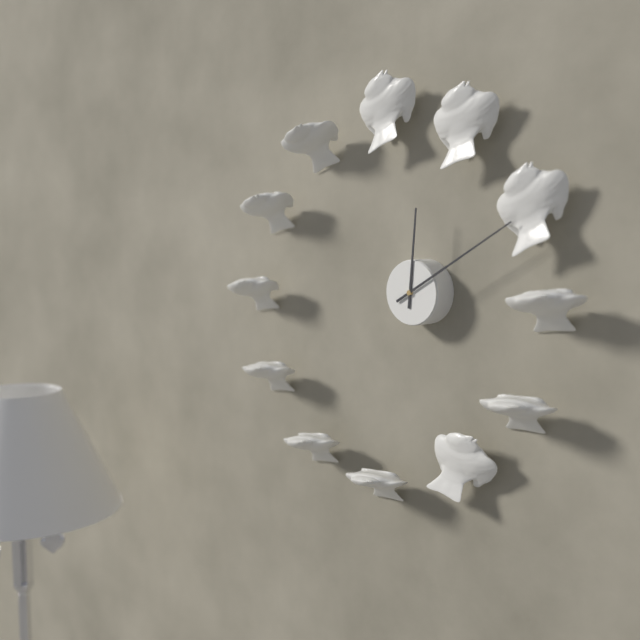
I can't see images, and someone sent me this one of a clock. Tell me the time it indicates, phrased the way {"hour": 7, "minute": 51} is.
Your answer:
{"hour": 12, "minute": 10}
